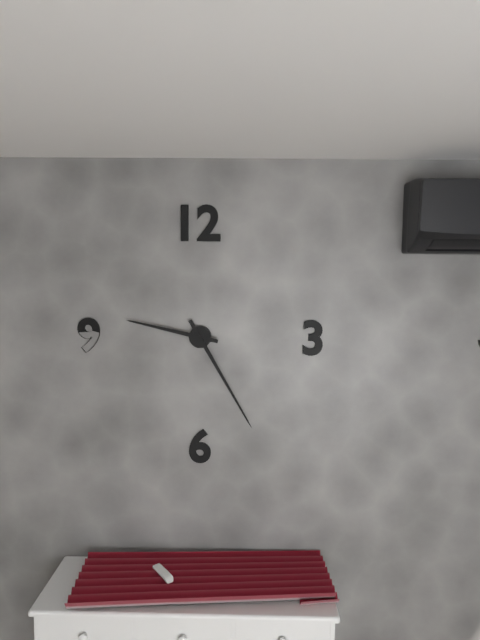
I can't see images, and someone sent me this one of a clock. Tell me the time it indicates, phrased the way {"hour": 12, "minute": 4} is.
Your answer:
{"hour": 9, "minute": 25}
